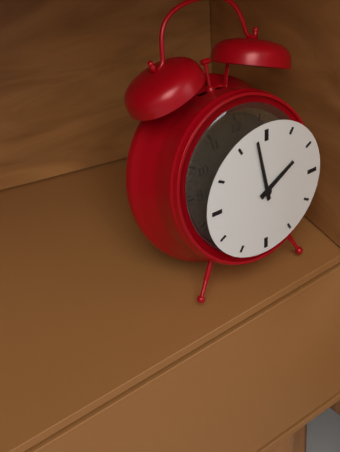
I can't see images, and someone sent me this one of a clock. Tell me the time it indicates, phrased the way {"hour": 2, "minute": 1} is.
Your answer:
{"hour": 1, "minute": 58}
